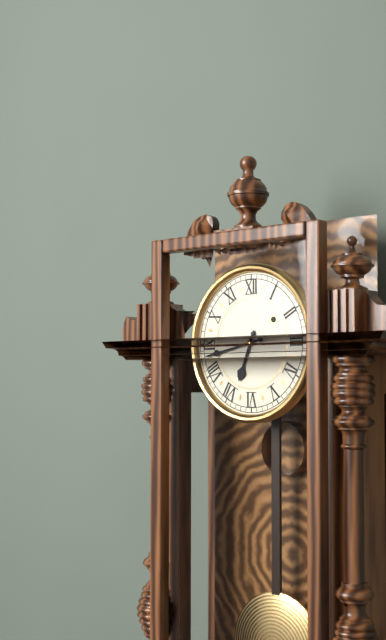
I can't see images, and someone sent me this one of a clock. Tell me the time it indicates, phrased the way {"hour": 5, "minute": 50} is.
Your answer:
{"hour": 6, "minute": 43}
